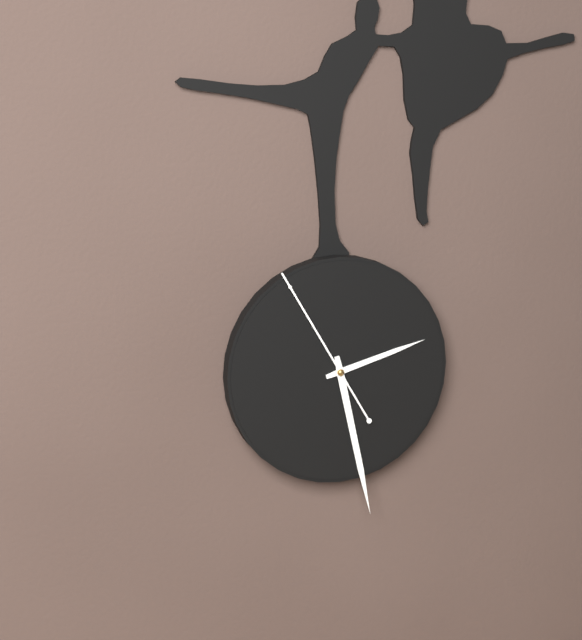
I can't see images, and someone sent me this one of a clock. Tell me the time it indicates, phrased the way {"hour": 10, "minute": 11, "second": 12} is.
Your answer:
{"hour": 2, "minute": 28, "second": 55}
